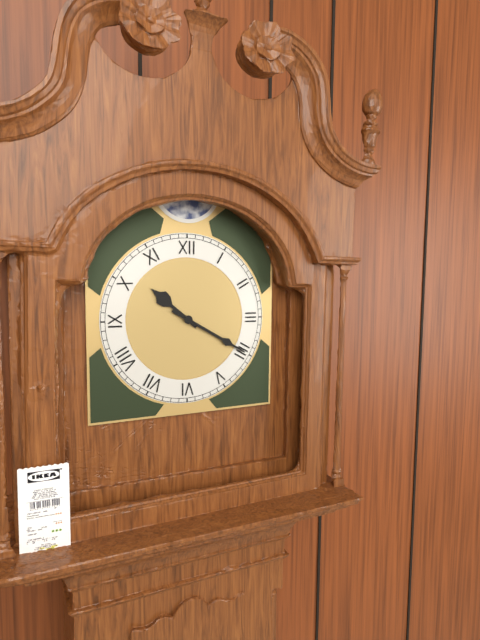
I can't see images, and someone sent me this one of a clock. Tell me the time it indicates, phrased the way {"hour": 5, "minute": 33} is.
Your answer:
{"hour": 10, "minute": 20}
